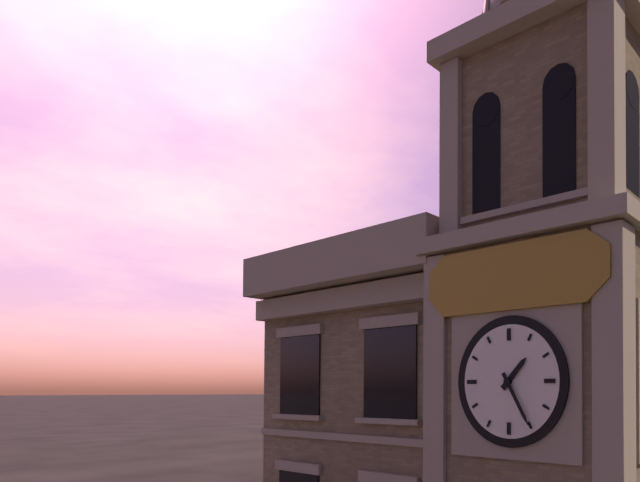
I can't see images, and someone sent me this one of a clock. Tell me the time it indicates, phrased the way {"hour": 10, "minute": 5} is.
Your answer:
{"hour": 1, "minute": 25}
